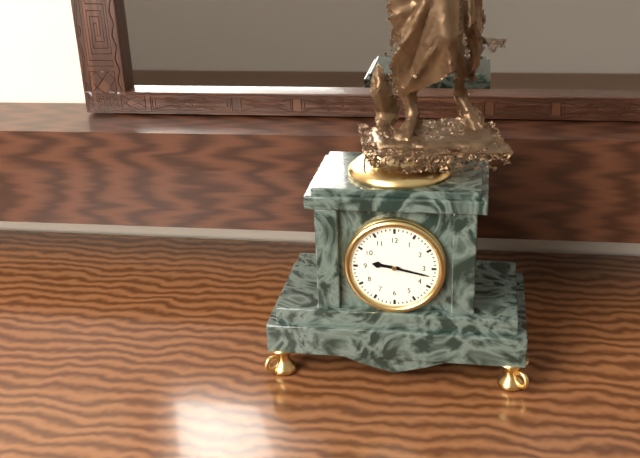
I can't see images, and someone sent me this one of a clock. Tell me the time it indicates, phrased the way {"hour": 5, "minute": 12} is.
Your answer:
{"hour": 9, "minute": 17}
